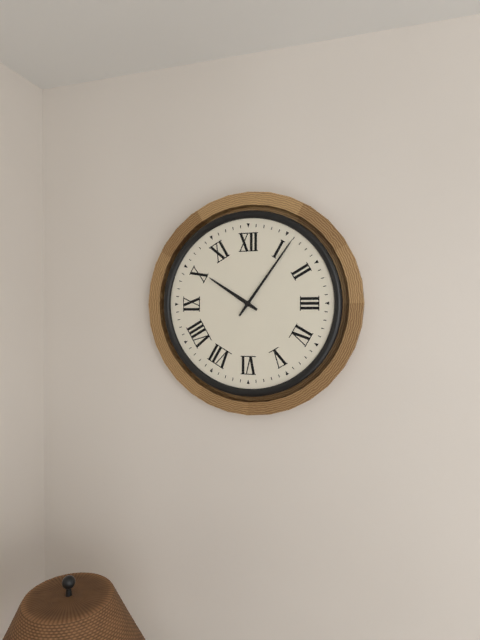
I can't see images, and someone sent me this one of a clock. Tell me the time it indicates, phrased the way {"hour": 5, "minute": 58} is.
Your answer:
{"hour": 10, "minute": 6}
